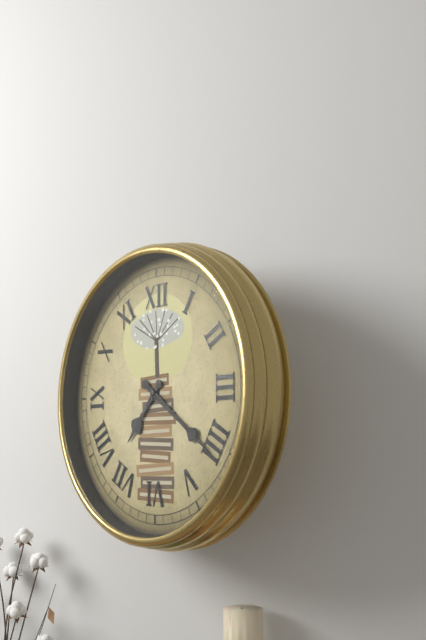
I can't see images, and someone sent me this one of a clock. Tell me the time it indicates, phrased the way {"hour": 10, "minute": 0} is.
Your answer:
{"hour": 7, "minute": 21}
